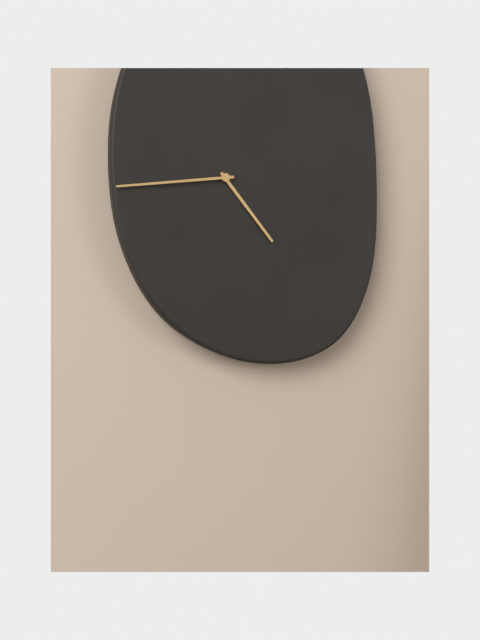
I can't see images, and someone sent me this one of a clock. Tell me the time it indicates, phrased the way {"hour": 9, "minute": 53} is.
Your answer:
{"hour": 4, "minute": 44}
